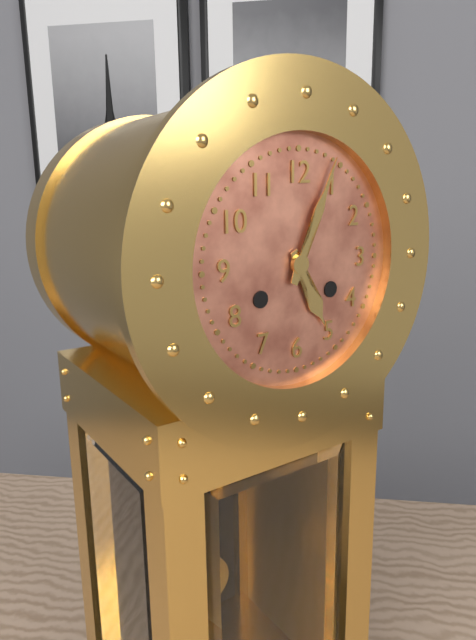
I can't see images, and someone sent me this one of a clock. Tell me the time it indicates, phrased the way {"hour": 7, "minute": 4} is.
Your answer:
{"hour": 5, "minute": 4}
